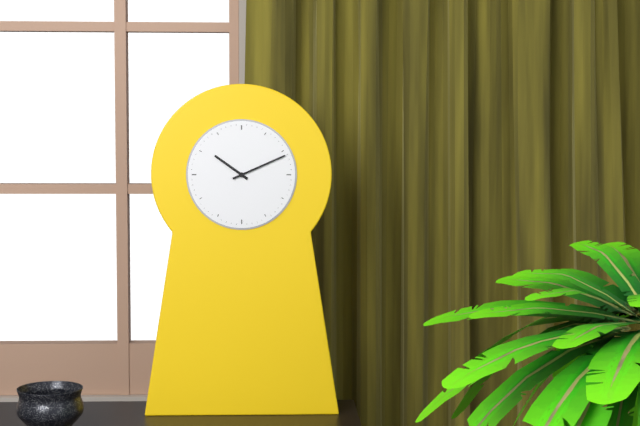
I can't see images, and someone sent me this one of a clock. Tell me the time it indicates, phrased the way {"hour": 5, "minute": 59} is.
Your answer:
{"hour": 10, "minute": 11}
